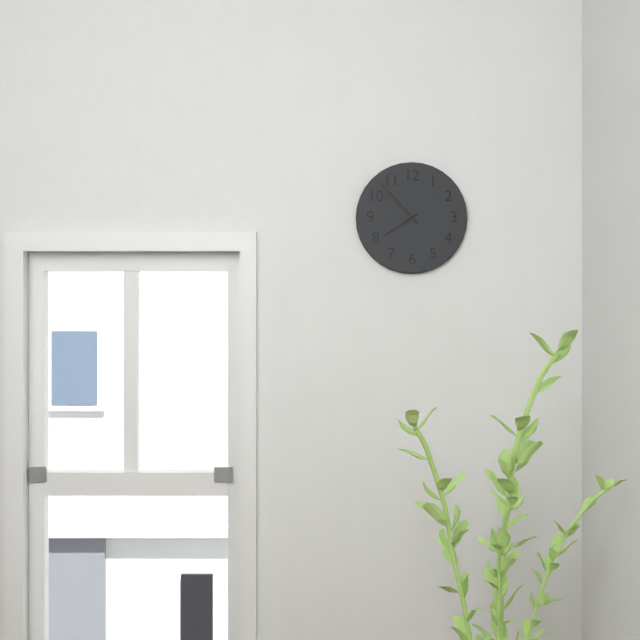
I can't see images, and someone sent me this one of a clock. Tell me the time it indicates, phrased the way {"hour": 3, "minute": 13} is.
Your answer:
{"hour": 7, "minute": 53}
